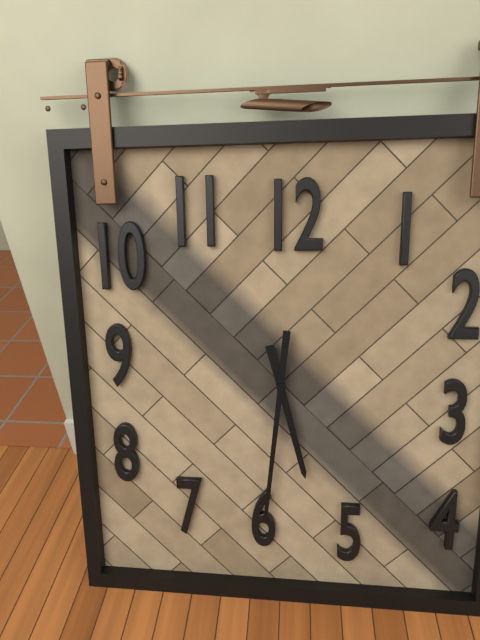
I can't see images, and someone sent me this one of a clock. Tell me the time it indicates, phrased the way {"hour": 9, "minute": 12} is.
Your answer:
{"hour": 5, "minute": 31}
